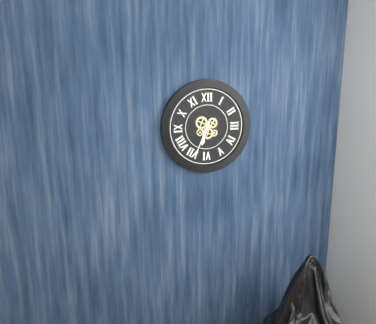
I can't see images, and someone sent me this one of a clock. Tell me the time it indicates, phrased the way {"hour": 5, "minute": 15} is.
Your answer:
{"hour": 6, "minute": 34}
